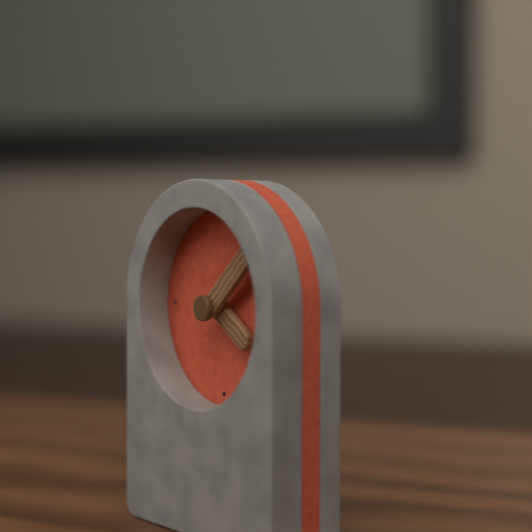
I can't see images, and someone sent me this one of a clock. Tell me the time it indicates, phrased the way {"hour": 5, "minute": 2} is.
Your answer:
{"hour": 4, "minute": 8}
